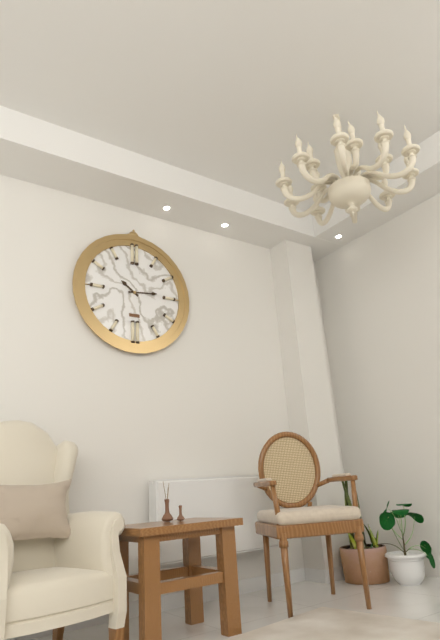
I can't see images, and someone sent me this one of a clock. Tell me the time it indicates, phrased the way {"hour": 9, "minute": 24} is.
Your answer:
{"hour": 10, "minute": 14}
